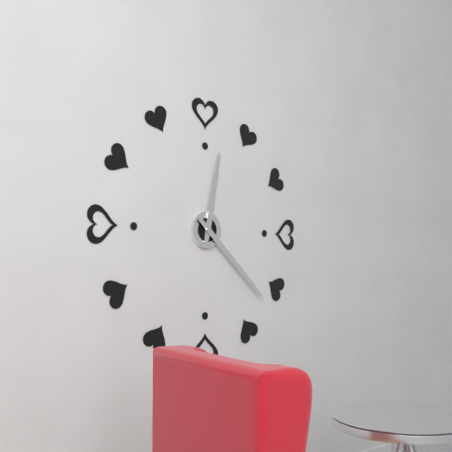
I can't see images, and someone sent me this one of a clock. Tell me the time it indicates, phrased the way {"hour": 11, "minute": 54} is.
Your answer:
{"hour": 12, "minute": 22}
